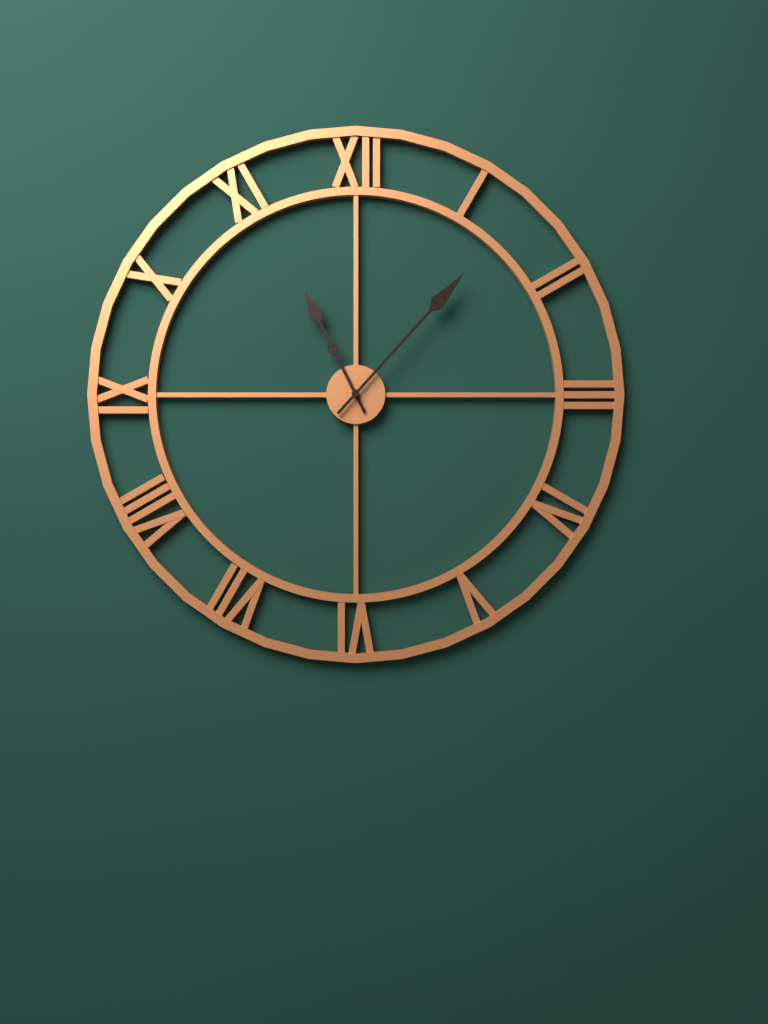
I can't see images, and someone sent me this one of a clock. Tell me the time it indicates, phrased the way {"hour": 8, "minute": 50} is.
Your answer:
{"hour": 11, "minute": 7}
